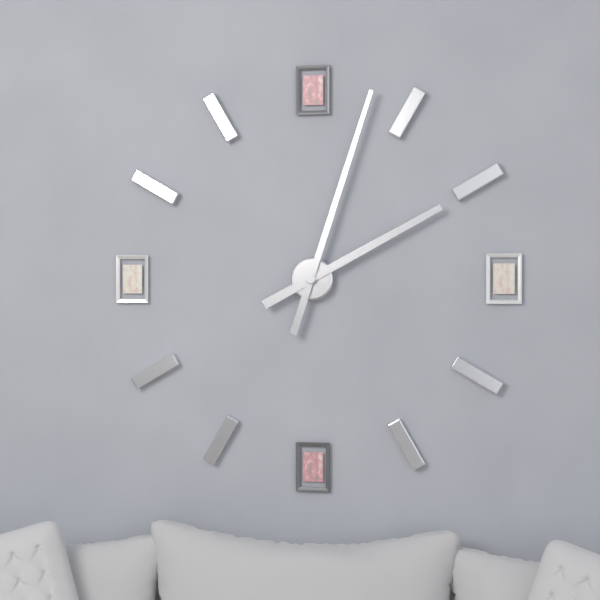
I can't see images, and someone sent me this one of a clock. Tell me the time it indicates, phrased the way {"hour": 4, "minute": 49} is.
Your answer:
{"hour": 2, "minute": 3}
